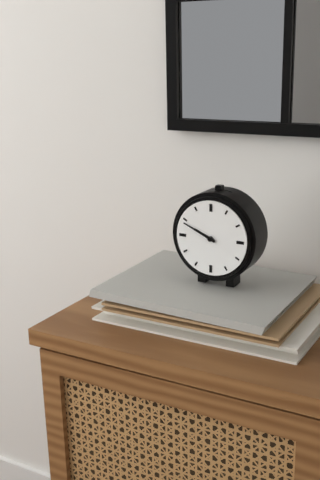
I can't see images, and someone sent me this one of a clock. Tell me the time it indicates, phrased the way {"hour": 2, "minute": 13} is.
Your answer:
{"hour": 9, "minute": 49}
